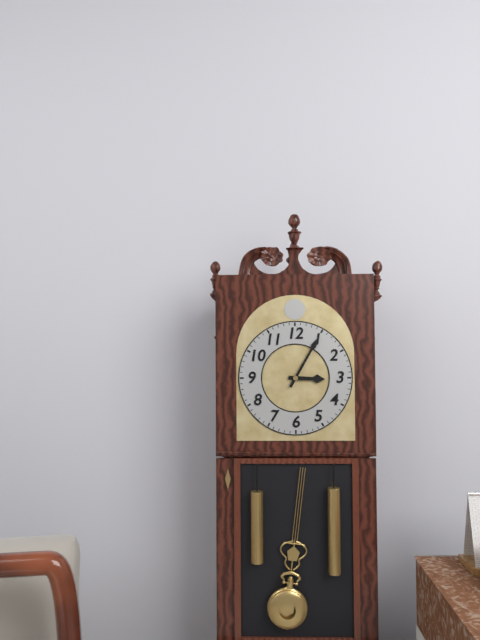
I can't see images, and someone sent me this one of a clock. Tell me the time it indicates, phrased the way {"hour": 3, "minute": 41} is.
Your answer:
{"hour": 3, "minute": 5}
